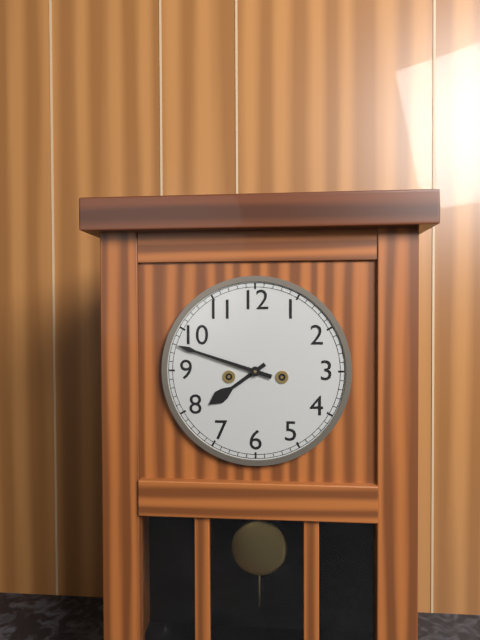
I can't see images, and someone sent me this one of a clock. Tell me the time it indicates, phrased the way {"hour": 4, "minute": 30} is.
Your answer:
{"hour": 7, "minute": 48}
